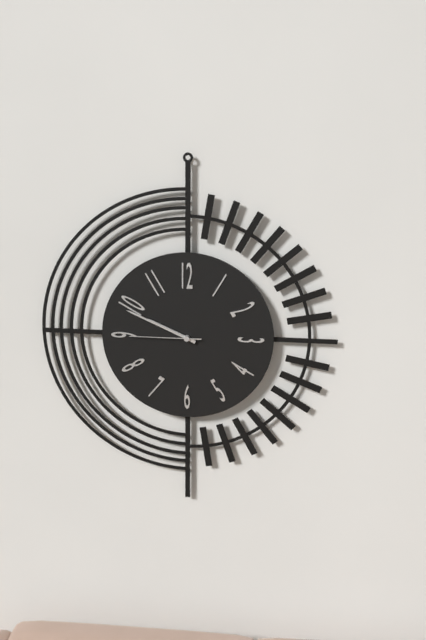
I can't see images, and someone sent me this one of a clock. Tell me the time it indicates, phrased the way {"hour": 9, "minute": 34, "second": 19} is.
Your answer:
{"hour": 9, "minute": 49, "second": 45}
